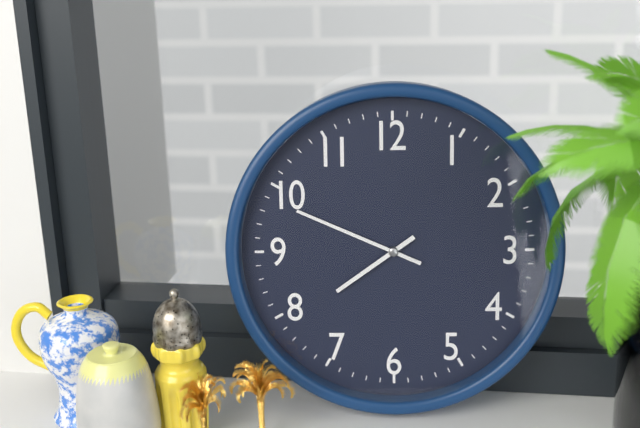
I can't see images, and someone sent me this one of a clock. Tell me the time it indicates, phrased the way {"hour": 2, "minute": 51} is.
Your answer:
{"hour": 7, "minute": 49}
